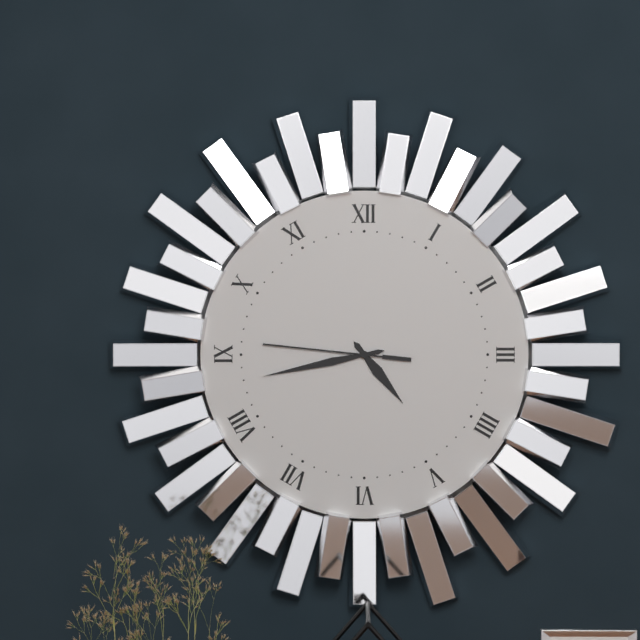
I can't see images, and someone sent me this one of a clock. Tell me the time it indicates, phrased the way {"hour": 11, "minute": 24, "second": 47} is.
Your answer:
{"hour": 4, "minute": 43, "second": 46}
